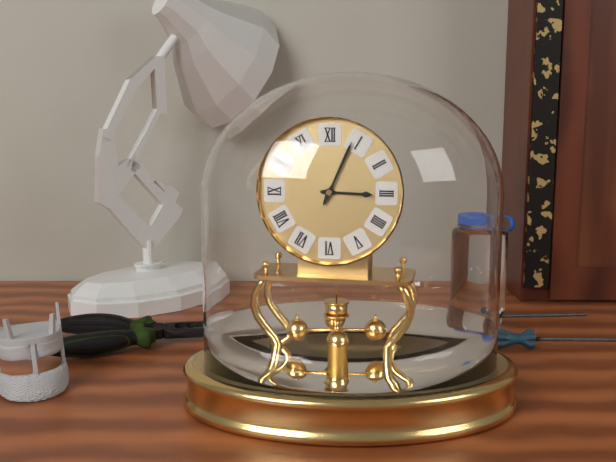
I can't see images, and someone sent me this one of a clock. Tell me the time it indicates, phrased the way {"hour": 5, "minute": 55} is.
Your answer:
{"hour": 3, "minute": 4}
